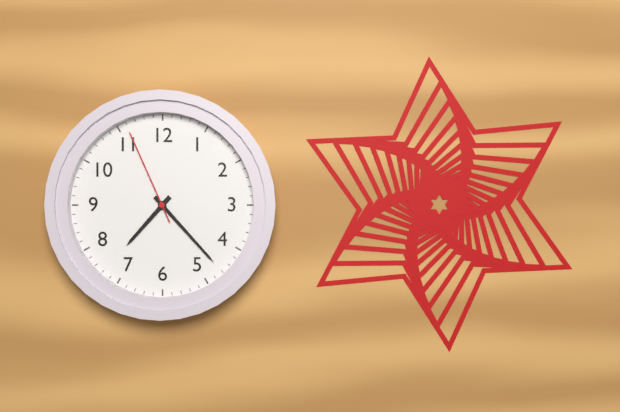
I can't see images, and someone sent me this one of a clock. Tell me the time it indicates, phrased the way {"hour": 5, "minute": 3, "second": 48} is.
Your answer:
{"hour": 7, "minute": 23, "second": 56}
